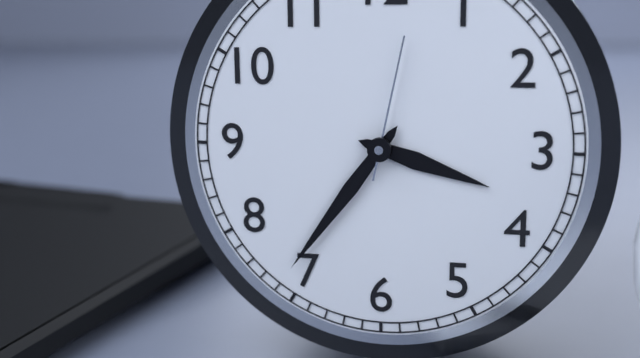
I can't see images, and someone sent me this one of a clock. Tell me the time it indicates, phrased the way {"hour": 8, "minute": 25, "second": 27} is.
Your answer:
{"hour": 3, "minute": 36, "second": 2}
